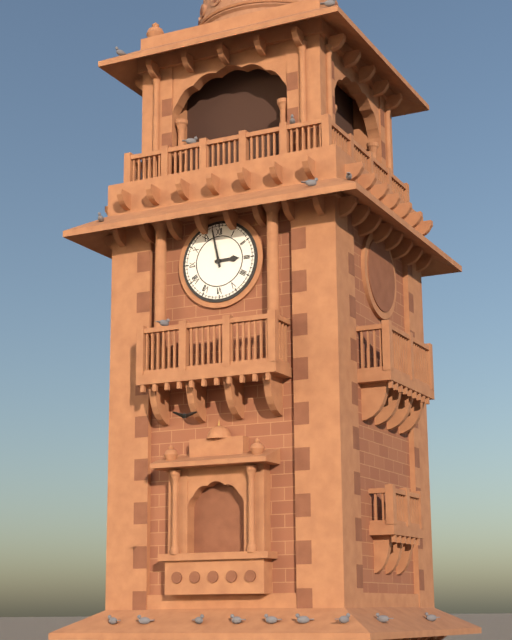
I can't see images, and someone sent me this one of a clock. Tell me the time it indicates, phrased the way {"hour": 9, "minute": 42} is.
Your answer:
{"hour": 2, "minute": 58}
